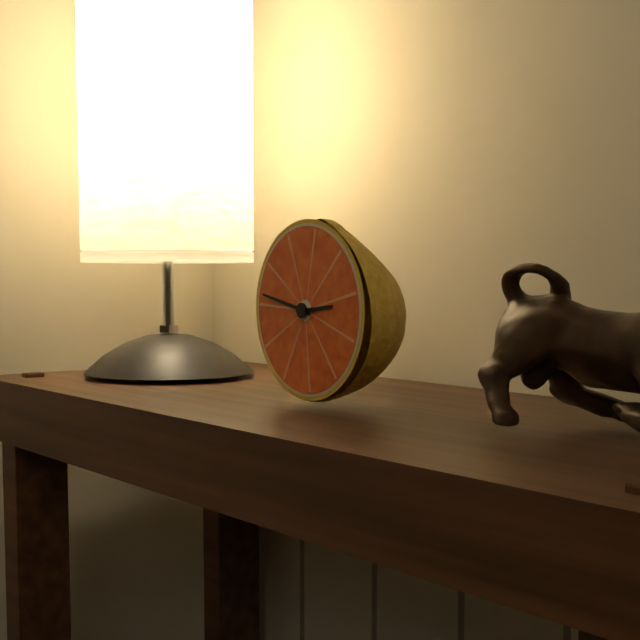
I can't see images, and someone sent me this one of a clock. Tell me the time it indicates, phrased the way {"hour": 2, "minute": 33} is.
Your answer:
{"hour": 2, "minute": 47}
